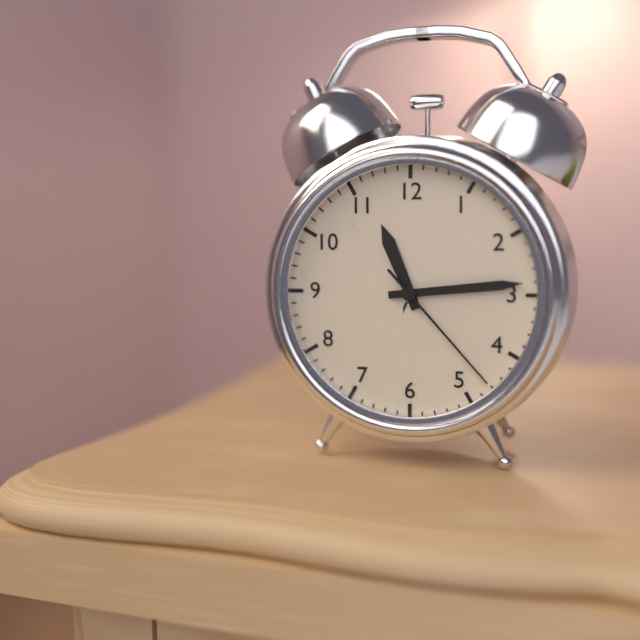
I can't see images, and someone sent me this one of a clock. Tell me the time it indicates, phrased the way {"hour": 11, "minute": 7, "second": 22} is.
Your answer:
{"hour": 11, "minute": 14, "second": 23}
